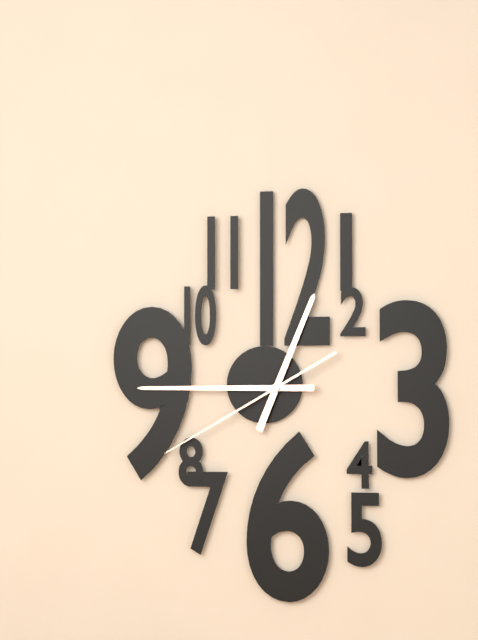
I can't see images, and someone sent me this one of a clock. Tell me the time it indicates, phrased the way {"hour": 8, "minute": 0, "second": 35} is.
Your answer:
{"hour": 12, "minute": 45, "second": 40}
